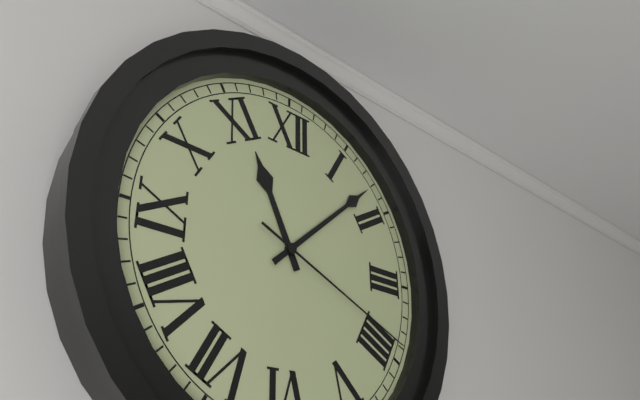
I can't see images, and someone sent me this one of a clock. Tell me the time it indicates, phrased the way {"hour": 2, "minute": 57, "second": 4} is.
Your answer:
{"hour": 11, "minute": 8, "second": 19}
